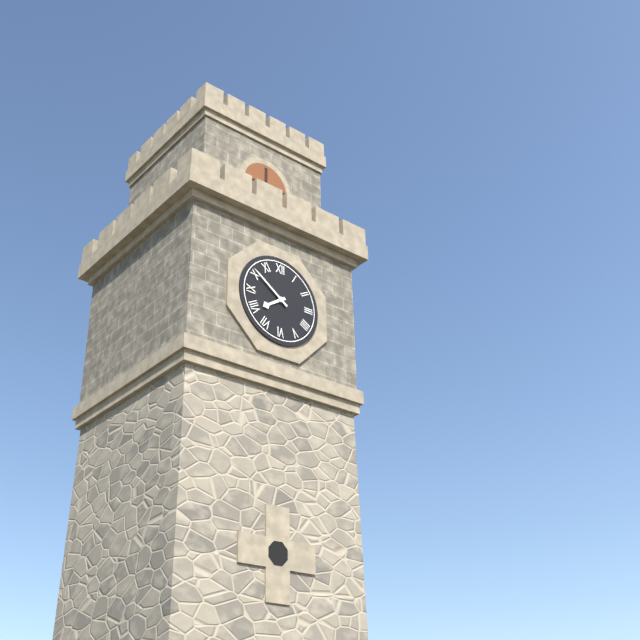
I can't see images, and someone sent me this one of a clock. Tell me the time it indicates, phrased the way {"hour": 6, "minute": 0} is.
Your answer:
{"hour": 7, "minute": 51}
